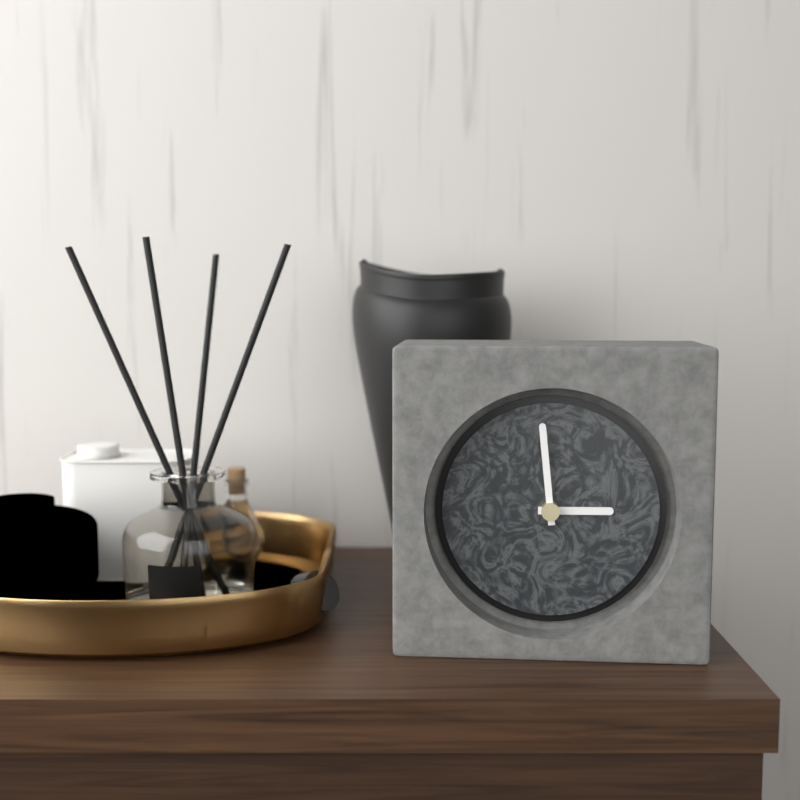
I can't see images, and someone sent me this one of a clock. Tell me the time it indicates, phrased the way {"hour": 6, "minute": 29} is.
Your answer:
{"hour": 2, "minute": 59}
